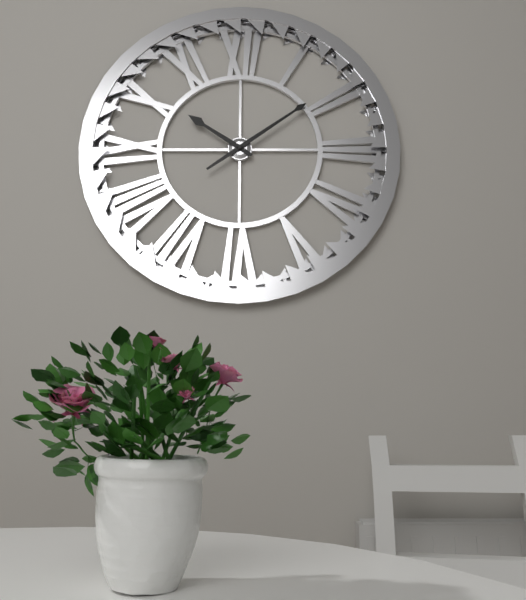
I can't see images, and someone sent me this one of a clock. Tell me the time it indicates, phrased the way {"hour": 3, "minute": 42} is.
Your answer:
{"hour": 10, "minute": 9}
